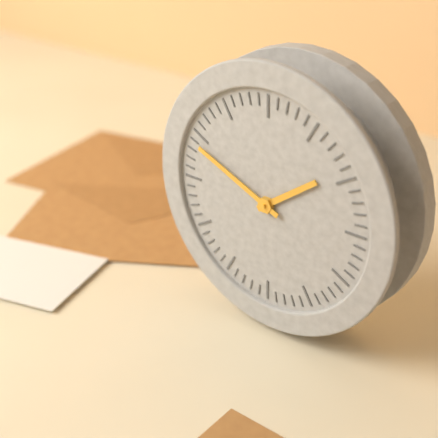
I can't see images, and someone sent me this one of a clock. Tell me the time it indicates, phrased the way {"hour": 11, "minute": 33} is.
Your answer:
{"hour": 1, "minute": 49}
